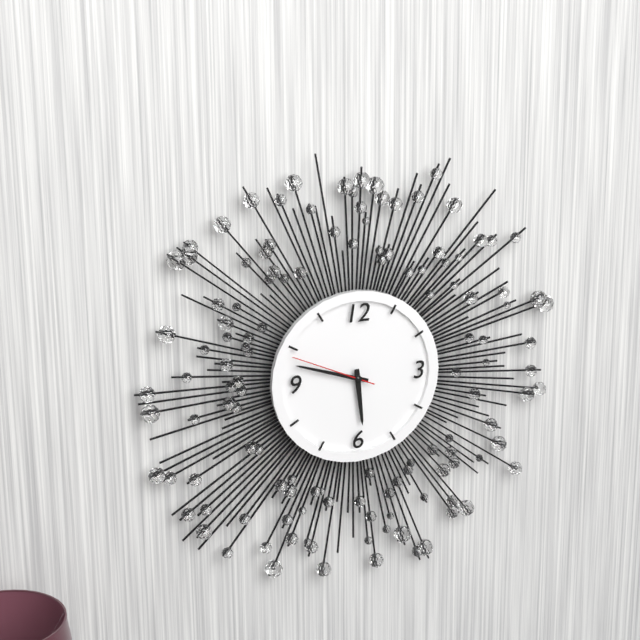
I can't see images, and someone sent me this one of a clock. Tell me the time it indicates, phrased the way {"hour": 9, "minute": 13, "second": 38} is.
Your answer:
{"hour": 5, "minute": 48, "second": 49}
